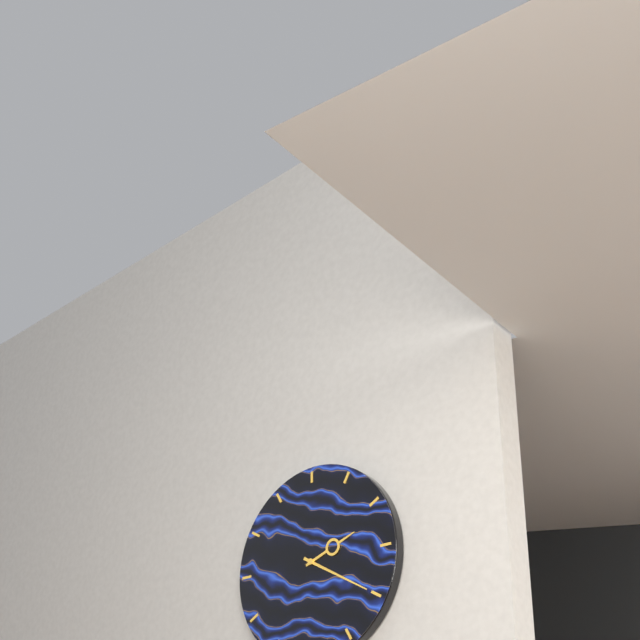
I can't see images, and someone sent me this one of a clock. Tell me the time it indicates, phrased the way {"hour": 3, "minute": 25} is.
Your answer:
{"hour": 2, "minute": 20}
